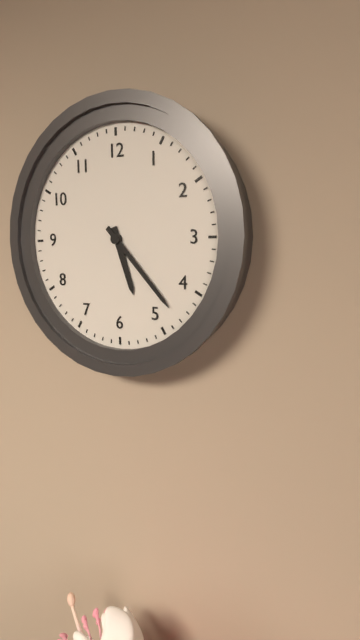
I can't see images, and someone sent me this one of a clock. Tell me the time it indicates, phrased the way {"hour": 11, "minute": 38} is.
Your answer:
{"hour": 5, "minute": 23}
